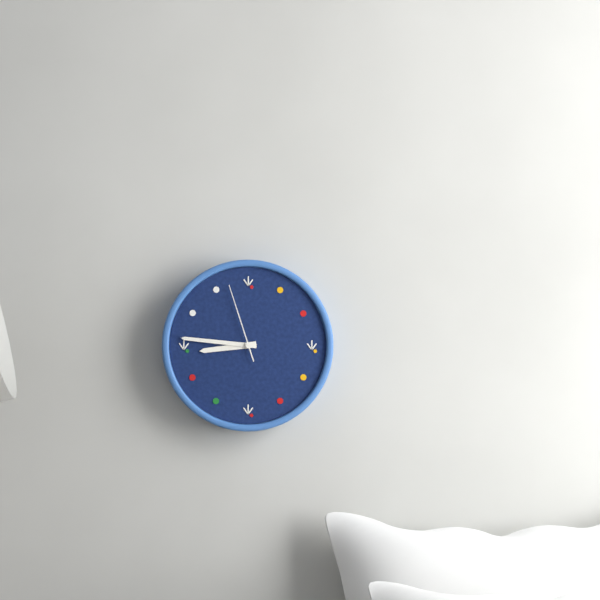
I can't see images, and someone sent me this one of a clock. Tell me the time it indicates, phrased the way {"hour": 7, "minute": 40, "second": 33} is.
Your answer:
{"hour": 8, "minute": 46, "second": 57}
